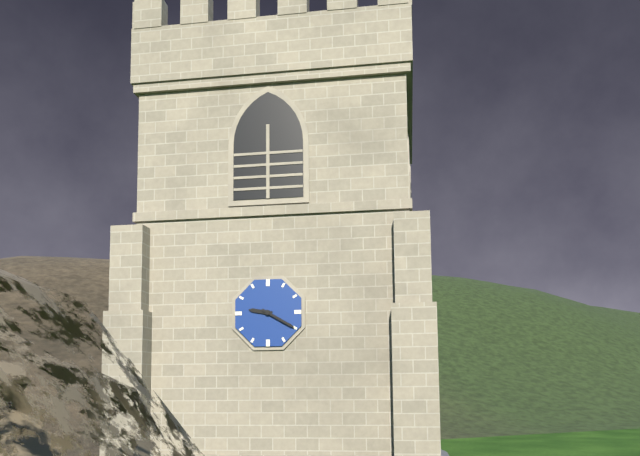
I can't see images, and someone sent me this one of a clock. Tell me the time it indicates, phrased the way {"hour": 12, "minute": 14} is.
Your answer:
{"hour": 9, "minute": 20}
